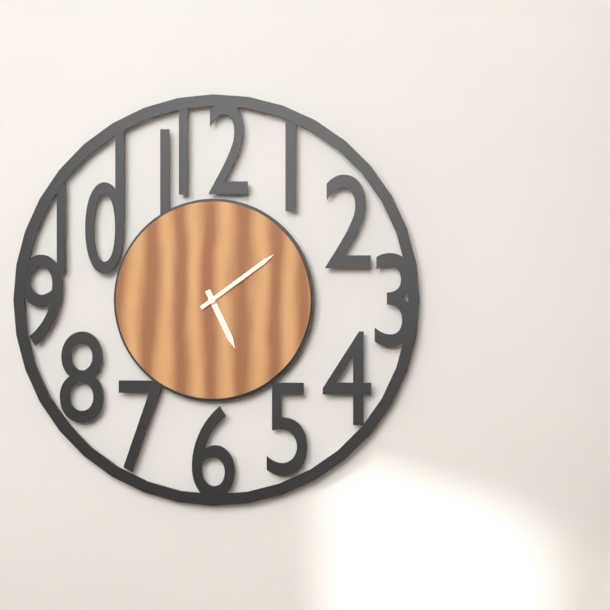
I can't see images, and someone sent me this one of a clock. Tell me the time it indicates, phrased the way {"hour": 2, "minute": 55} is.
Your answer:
{"hour": 5, "minute": 9}
